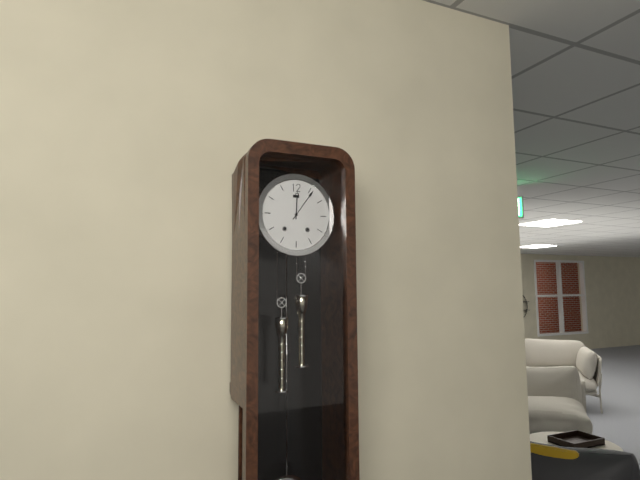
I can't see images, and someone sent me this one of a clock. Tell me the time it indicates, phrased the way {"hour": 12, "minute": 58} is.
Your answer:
{"hour": 12, "minute": 6}
